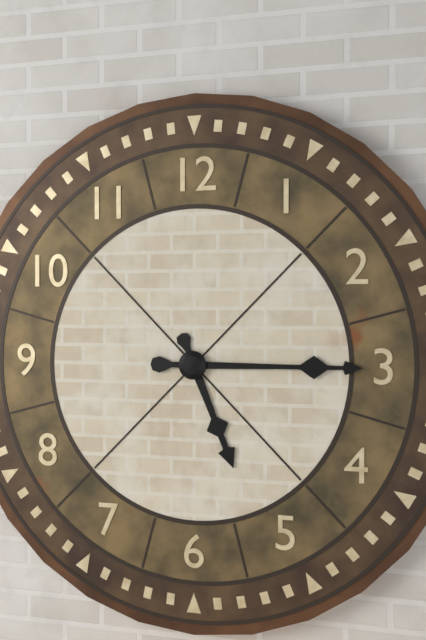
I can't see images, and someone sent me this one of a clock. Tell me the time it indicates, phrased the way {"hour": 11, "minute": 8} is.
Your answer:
{"hour": 5, "minute": 15}
